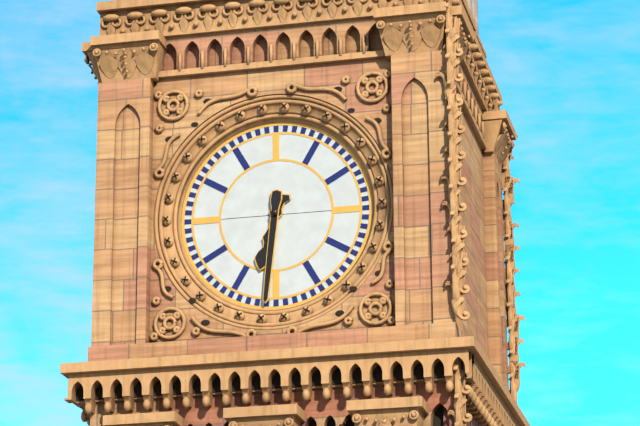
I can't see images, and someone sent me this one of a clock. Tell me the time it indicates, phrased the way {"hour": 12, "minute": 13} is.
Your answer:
{"hour": 6, "minute": 31}
